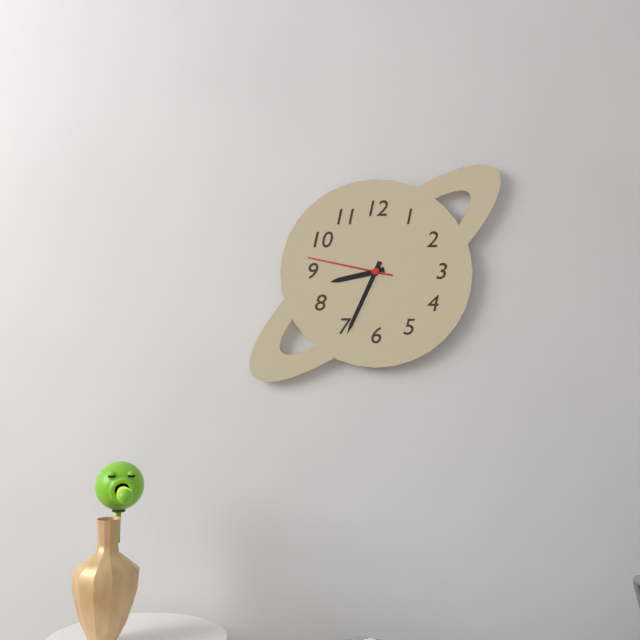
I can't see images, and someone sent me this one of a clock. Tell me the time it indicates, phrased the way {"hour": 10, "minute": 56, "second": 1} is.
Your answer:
{"hour": 8, "minute": 34, "second": 47}
